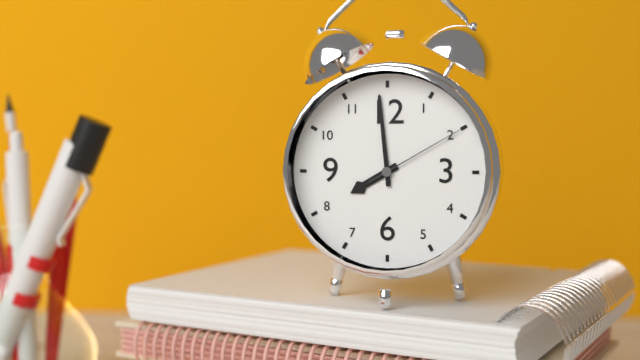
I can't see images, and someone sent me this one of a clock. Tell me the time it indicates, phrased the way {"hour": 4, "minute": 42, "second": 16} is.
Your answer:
{"hour": 7, "minute": 59, "second": 10}
